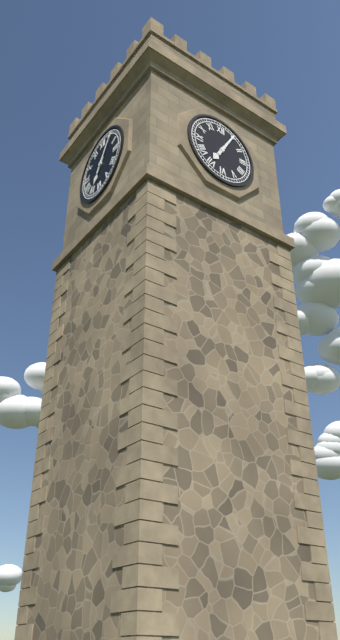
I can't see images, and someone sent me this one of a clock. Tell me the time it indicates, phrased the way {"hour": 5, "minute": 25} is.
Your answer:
{"hour": 7, "minute": 5}
